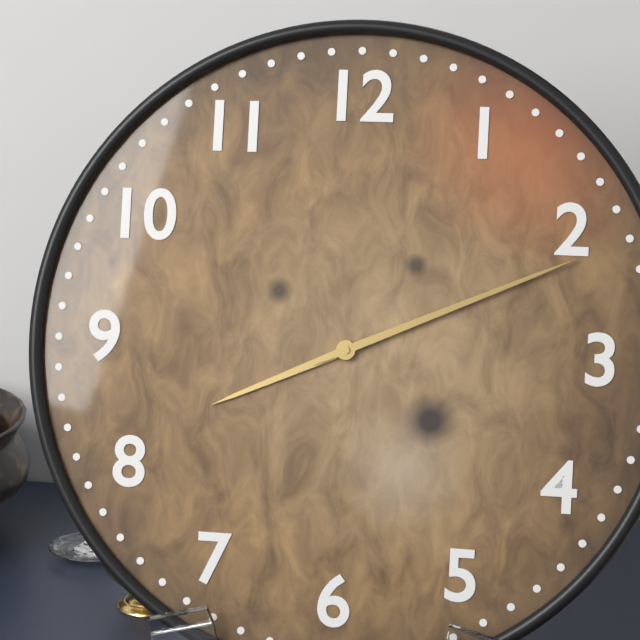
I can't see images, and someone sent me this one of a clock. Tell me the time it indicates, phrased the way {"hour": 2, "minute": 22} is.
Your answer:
{"hour": 8, "minute": 11}
